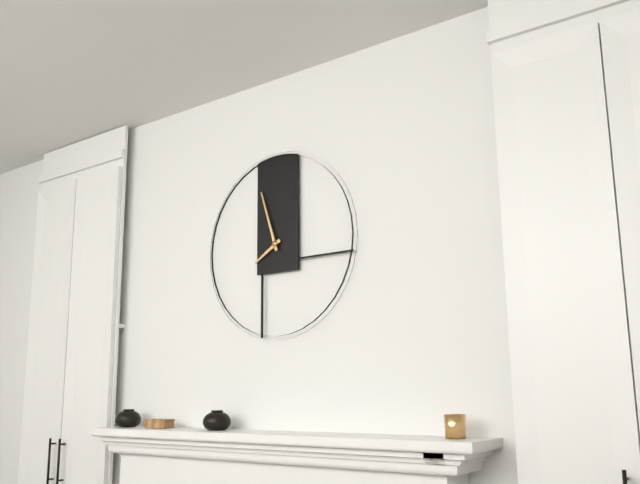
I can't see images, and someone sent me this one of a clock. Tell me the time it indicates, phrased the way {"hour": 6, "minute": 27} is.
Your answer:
{"hour": 7, "minute": 57}
